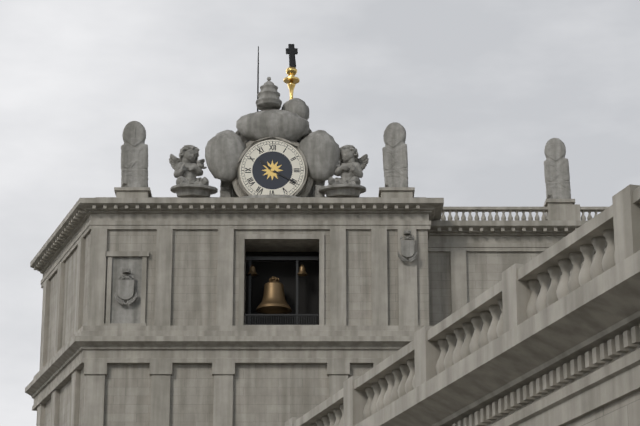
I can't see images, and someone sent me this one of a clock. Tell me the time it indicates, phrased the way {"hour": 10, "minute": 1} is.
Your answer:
{"hour": 10, "minute": 20}
